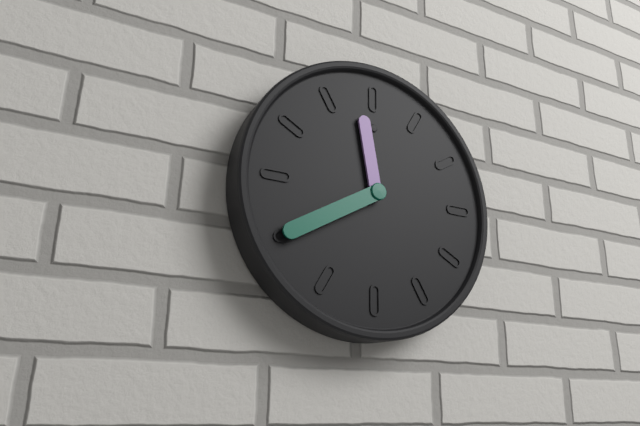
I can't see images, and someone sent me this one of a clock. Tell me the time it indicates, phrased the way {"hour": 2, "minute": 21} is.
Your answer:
{"hour": 11, "minute": 40}
